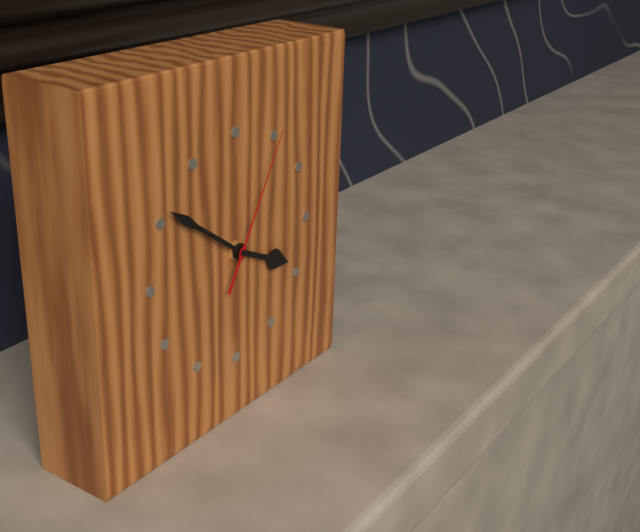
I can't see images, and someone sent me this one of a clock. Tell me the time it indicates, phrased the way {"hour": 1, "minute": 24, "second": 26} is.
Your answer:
{"hour": 3, "minute": 51, "second": 5}
